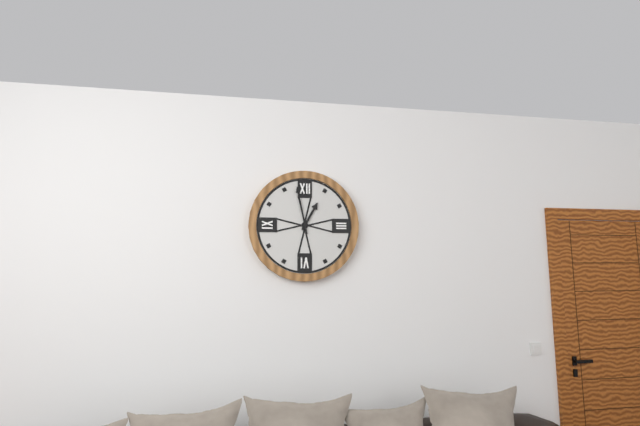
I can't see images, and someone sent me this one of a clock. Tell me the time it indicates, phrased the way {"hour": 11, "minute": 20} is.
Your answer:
{"hour": 12, "minute": 58}
